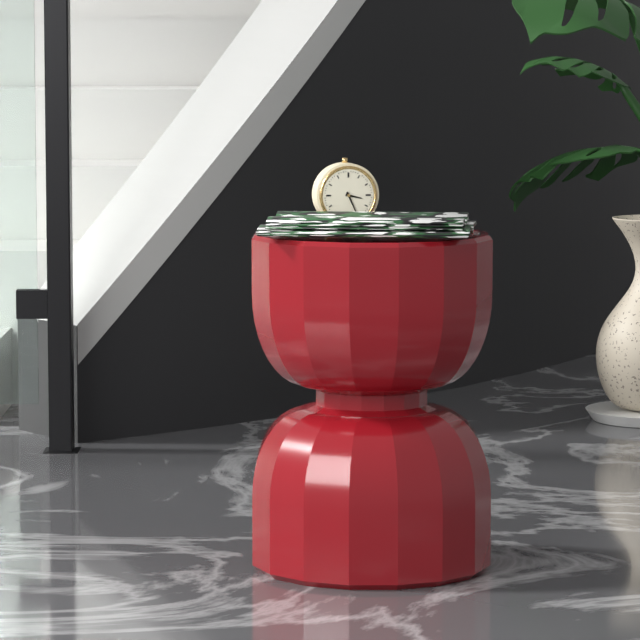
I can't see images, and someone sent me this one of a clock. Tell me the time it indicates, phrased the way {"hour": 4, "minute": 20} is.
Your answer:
{"hour": 3, "minute": 26}
